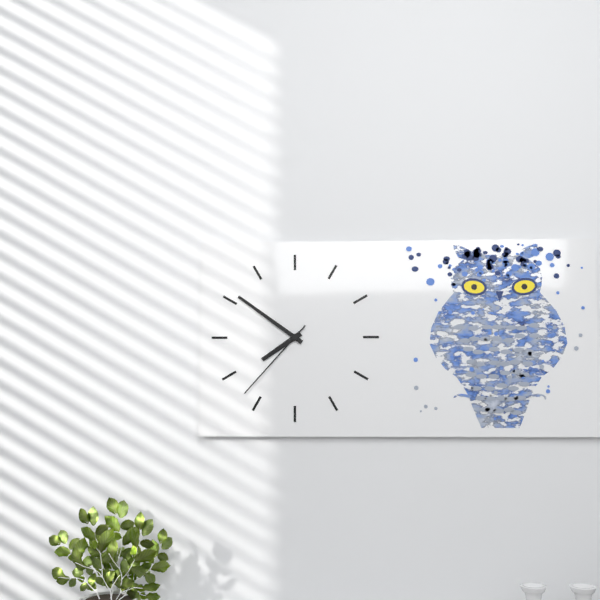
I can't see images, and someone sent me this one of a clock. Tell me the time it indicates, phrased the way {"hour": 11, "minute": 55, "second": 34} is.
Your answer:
{"hour": 7, "minute": 51, "second": 37}
